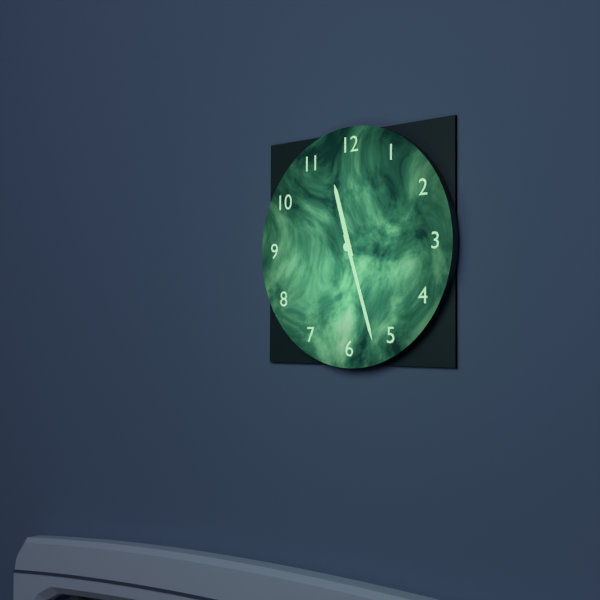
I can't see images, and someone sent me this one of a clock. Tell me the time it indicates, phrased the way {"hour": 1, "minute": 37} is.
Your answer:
{"hour": 11, "minute": 27}
